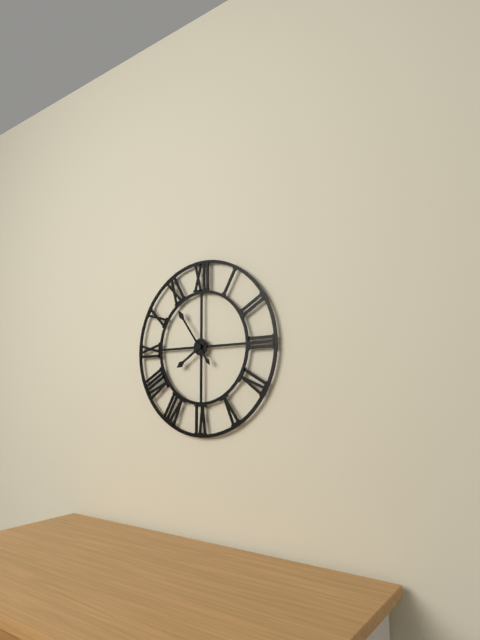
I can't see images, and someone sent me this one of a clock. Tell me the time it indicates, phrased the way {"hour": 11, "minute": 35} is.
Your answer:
{"hour": 7, "minute": 54}
